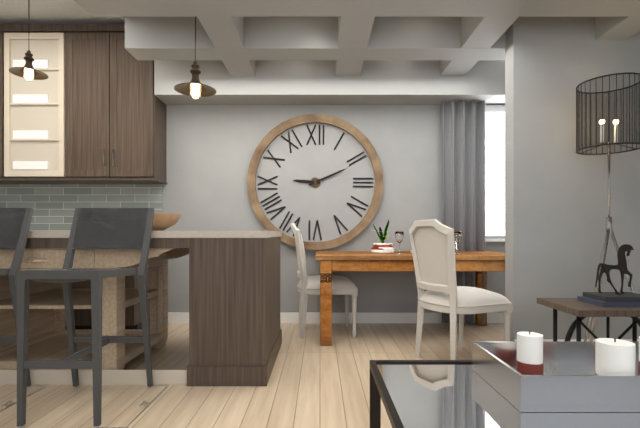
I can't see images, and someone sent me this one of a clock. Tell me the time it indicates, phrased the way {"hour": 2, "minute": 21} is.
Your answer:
{"hour": 9, "minute": 11}
